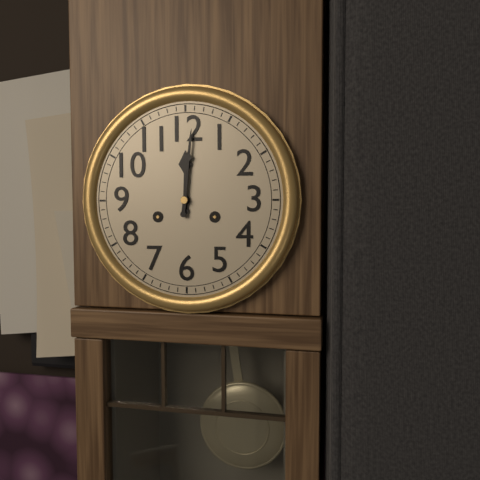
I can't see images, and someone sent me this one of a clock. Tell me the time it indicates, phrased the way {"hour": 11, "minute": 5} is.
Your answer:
{"hour": 12, "minute": 1}
